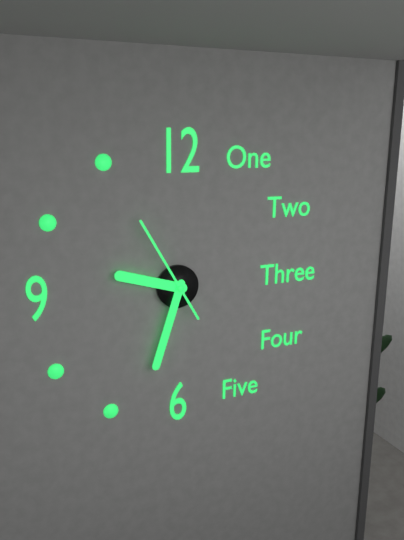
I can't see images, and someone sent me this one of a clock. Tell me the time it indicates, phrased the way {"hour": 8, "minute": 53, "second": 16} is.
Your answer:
{"hour": 9, "minute": 33, "second": 55}
